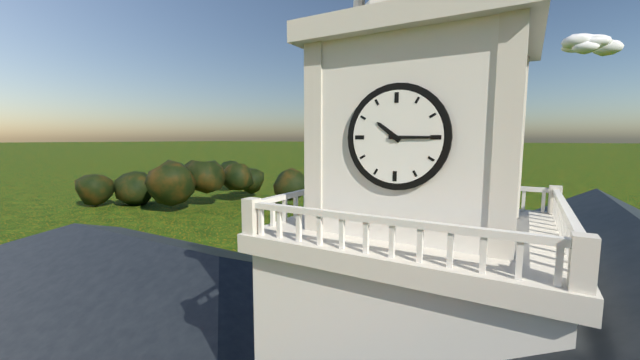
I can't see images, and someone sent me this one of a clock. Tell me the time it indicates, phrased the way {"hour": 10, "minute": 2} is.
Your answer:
{"hour": 10, "minute": 15}
